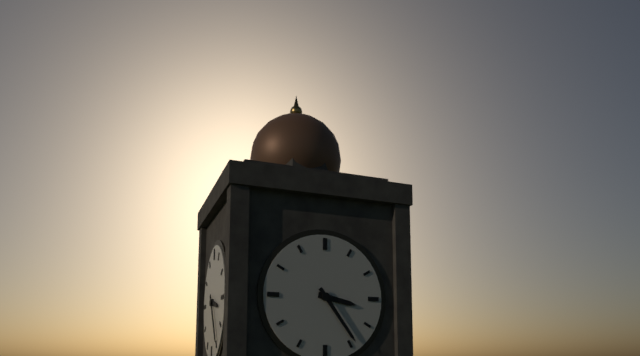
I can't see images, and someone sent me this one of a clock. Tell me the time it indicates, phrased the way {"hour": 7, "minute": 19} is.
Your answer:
{"hour": 3, "minute": 24}
